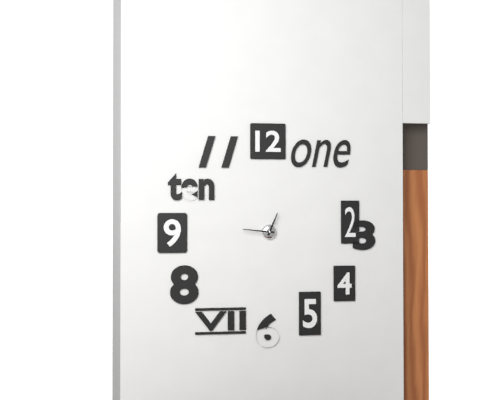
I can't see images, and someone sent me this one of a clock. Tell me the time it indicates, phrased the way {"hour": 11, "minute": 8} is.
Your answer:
{"hour": 12, "minute": 46}
